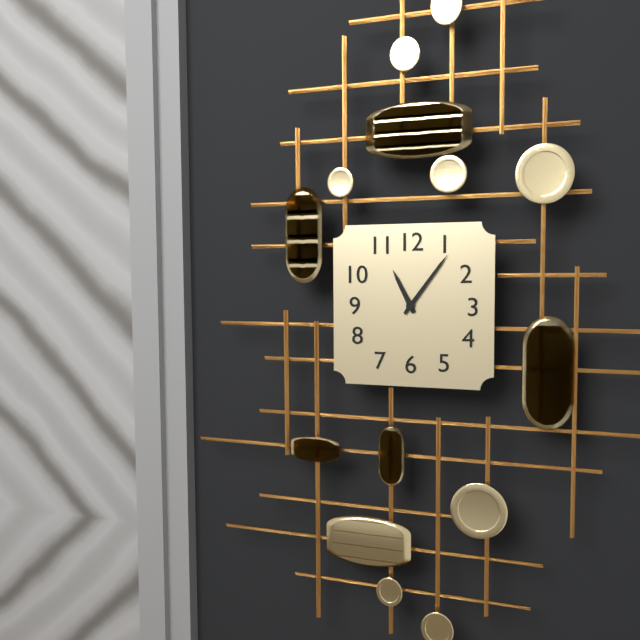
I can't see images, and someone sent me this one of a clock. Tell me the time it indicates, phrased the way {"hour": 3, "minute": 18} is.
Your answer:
{"hour": 11, "minute": 6}
